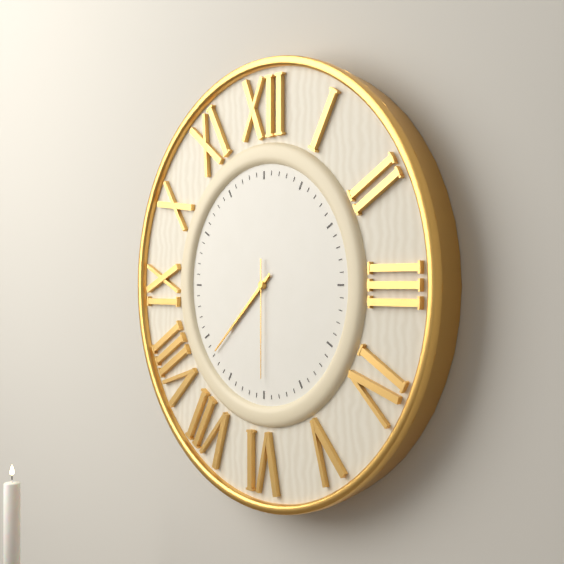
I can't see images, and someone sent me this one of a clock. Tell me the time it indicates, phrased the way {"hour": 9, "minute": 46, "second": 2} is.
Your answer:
{"hour": 7, "minute": 38, "second": 30}
